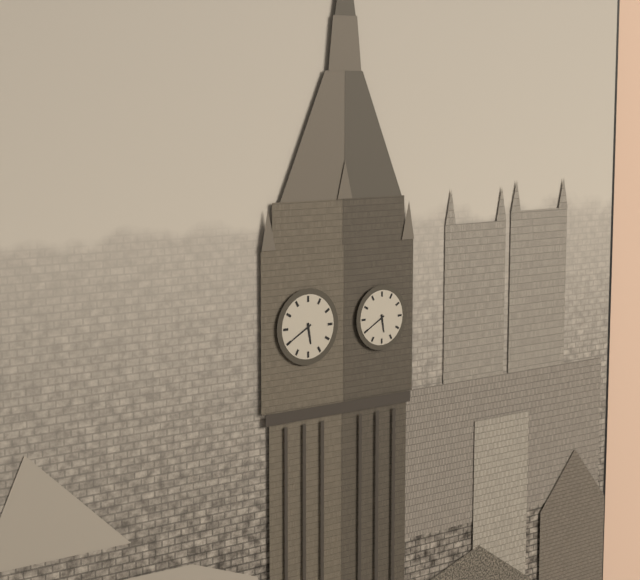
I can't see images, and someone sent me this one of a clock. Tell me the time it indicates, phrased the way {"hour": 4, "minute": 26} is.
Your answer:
{"hour": 5, "minute": 40}
